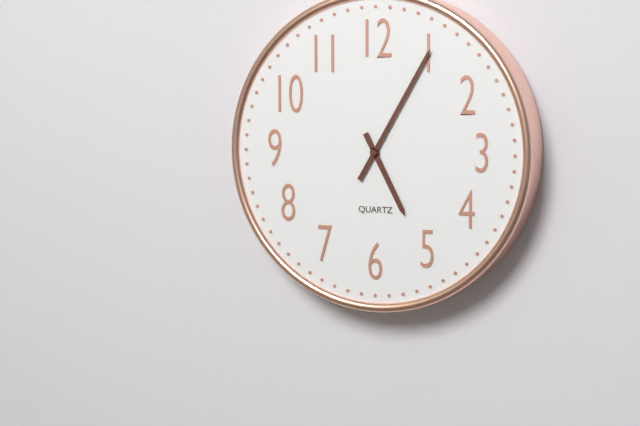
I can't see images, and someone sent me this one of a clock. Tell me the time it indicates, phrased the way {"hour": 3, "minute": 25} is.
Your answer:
{"hour": 5, "minute": 5}
